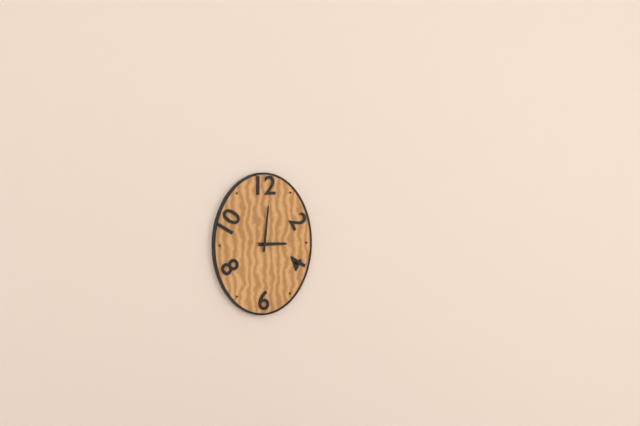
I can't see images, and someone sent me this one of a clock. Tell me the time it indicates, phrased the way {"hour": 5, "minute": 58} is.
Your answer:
{"hour": 3, "minute": 1}
